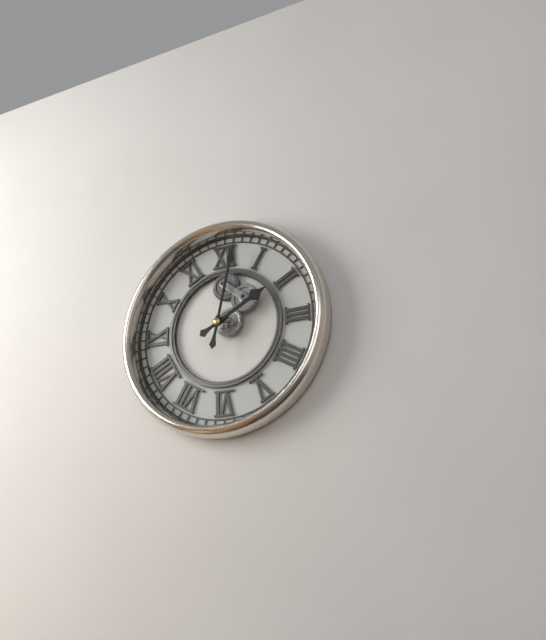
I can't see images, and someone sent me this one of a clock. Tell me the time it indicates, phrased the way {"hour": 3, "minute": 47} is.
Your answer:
{"hour": 2, "minute": 2}
